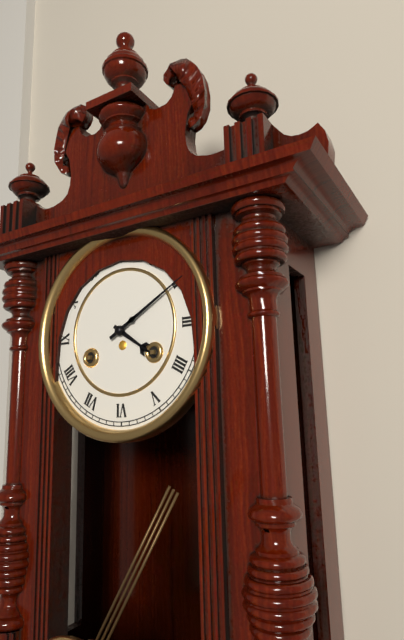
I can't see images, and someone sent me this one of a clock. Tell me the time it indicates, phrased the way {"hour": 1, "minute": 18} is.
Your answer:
{"hour": 4, "minute": 10}
